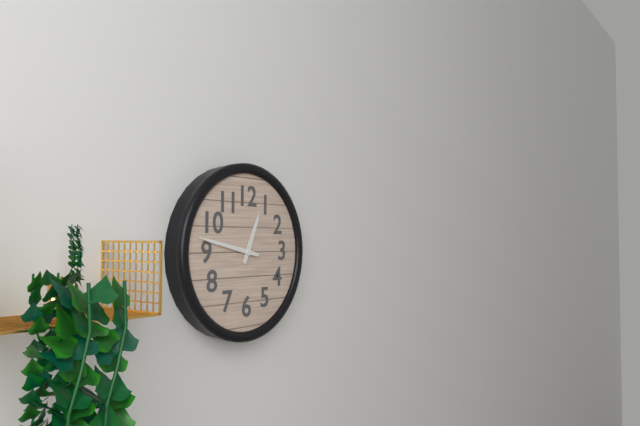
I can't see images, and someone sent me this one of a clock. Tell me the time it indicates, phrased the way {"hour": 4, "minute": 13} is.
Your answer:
{"hour": 12, "minute": 47}
